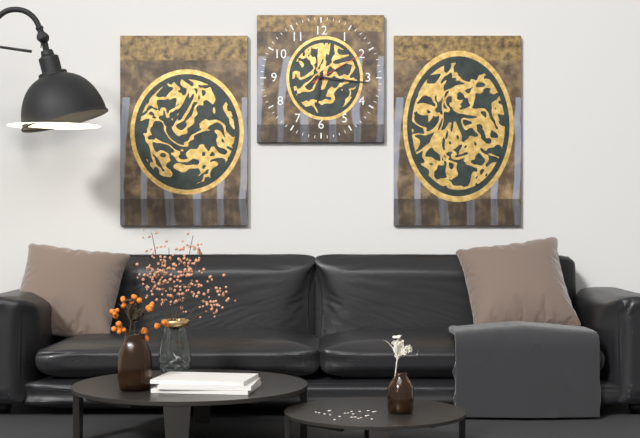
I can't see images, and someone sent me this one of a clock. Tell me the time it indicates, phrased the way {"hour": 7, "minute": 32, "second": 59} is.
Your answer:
{"hour": 6, "minute": 16, "second": 10}
